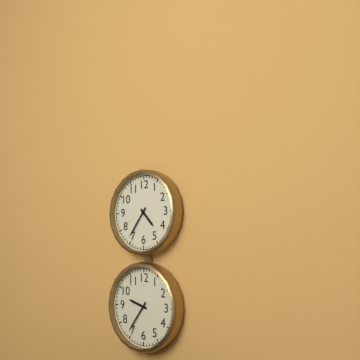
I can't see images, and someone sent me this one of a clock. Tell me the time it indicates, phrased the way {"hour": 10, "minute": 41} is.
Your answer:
{"hour": 4, "minute": 36}
